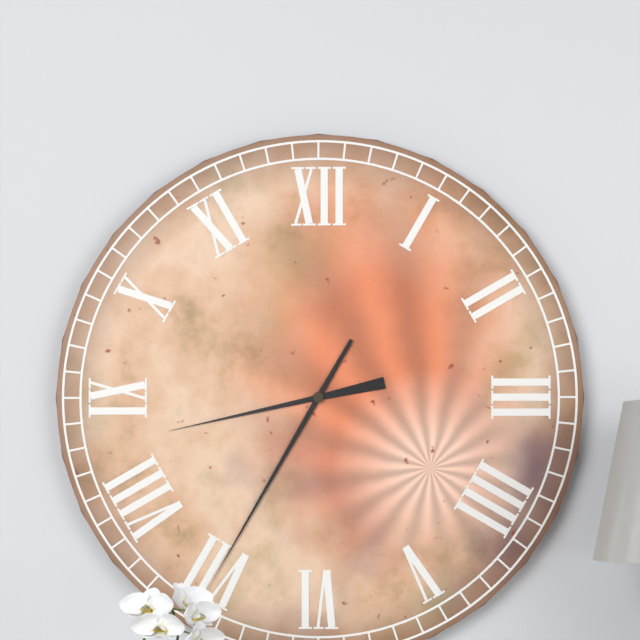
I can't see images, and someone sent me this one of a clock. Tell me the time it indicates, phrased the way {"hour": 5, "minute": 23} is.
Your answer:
{"hour": 8, "minute": 35}
